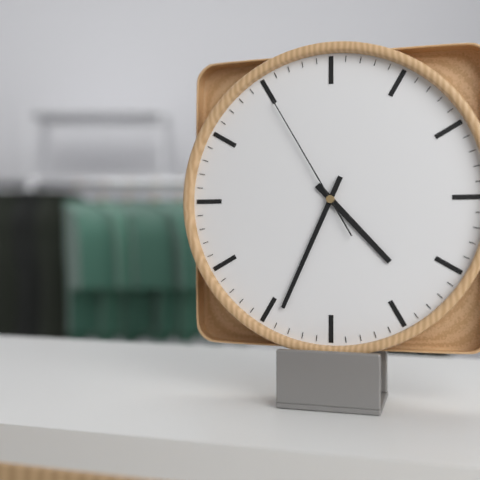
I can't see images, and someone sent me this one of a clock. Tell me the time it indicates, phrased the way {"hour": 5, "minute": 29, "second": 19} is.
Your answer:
{"hour": 4, "minute": 34, "second": 55}
